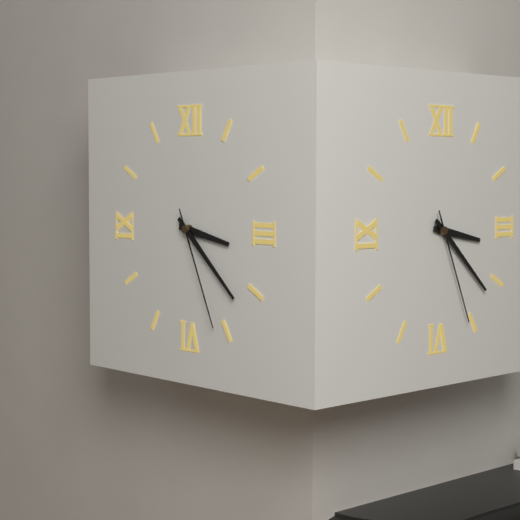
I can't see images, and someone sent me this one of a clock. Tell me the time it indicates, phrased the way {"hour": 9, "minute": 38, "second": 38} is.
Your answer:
{"hour": 3, "minute": 22, "second": 26}
